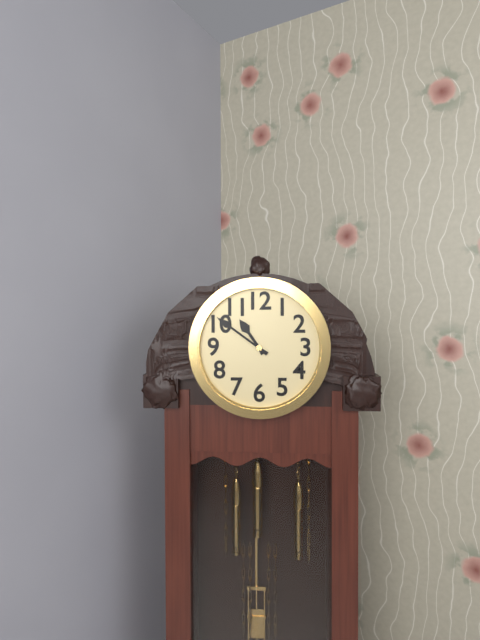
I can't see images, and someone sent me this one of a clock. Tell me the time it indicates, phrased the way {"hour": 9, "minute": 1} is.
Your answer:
{"hour": 10, "minute": 51}
